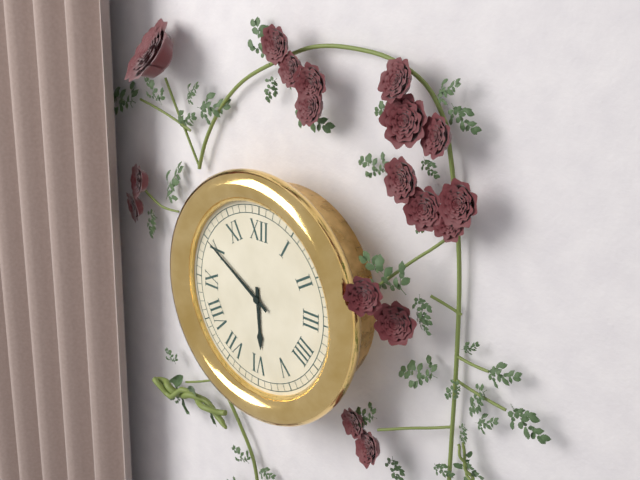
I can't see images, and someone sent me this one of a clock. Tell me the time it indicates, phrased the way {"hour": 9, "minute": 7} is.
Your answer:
{"hour": 5, "minute": 50}
